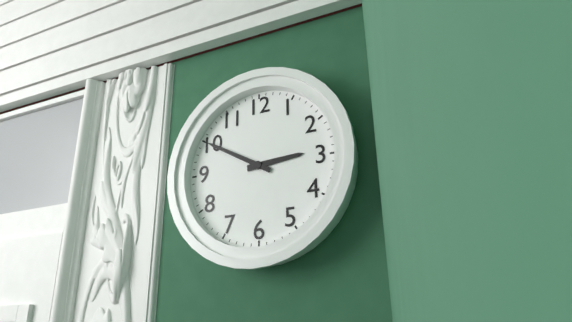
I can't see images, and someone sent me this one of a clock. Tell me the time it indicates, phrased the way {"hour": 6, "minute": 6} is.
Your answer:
{"hour": 2, "minute": 50}
